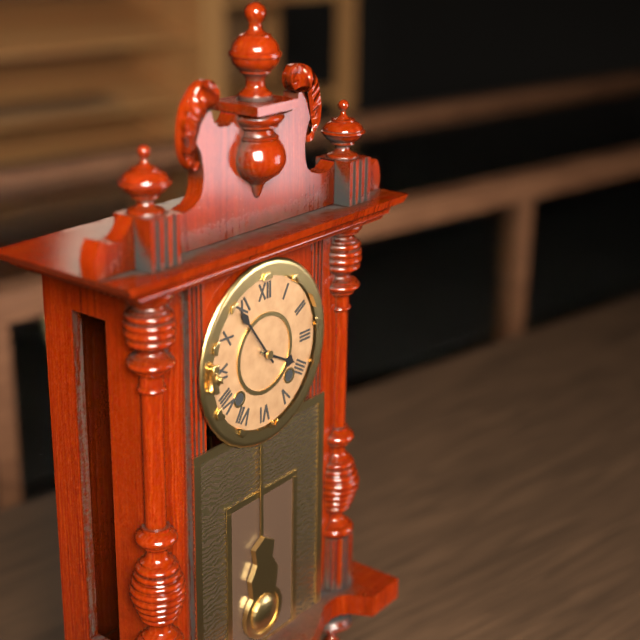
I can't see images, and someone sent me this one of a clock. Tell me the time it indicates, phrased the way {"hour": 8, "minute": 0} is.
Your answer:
{"hour": 3, "minute": 54}
